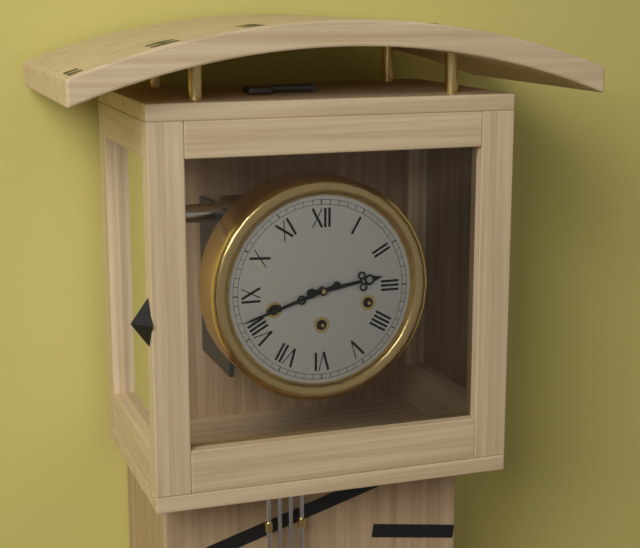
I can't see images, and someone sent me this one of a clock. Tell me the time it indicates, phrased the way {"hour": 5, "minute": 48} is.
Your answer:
{"hour": 2, "minute": 42}
